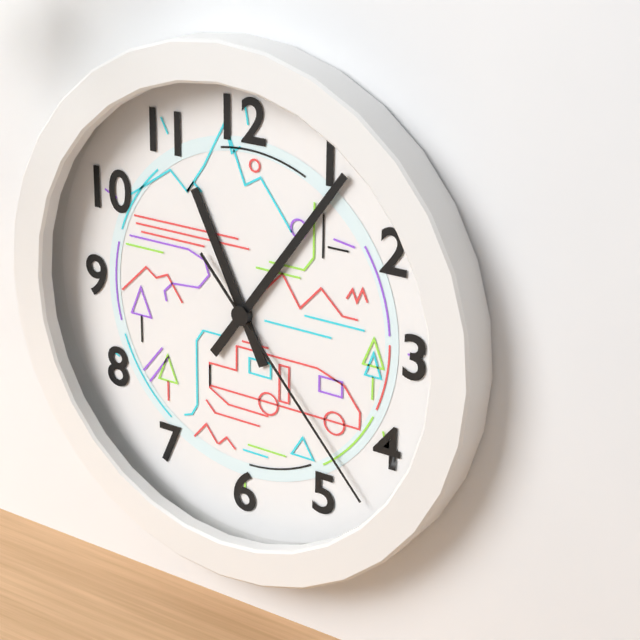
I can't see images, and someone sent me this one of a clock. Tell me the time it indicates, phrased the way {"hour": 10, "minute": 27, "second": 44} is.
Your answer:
{"hour": 11, "minute": 6, "second": 23}
